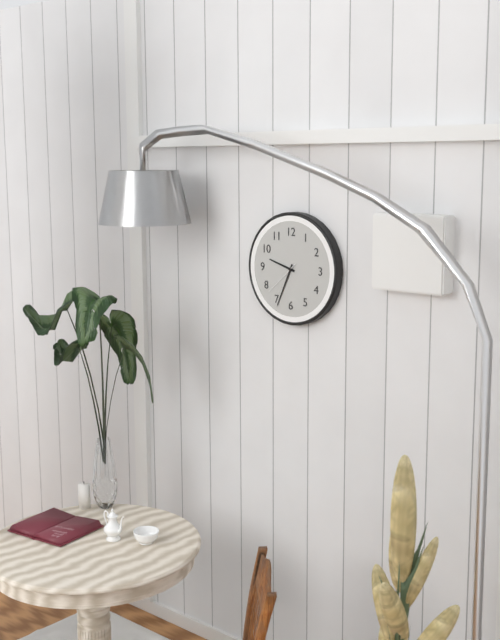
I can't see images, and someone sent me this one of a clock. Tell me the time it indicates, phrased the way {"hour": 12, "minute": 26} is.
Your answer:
{"hour": 9, "minute": 34}
